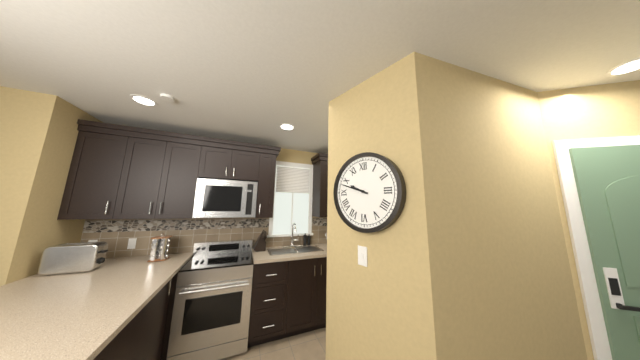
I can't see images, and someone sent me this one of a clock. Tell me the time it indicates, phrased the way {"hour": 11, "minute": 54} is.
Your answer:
{"hour": 9, "minute": 48}
